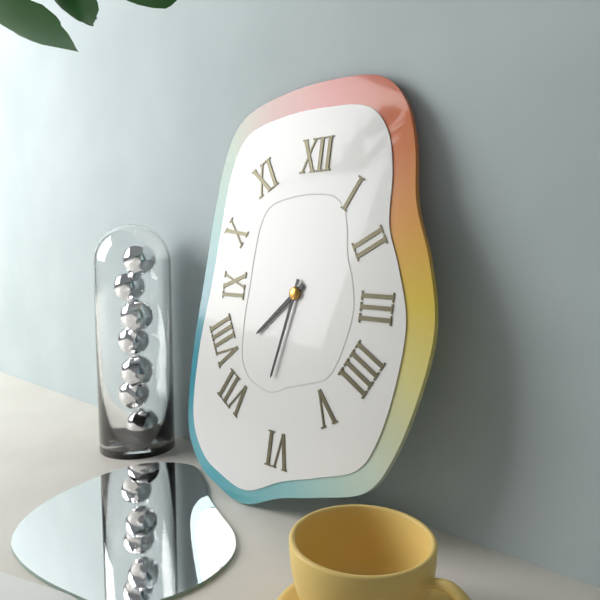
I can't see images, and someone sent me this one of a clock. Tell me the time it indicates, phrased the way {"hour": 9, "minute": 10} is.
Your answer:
{"hour": 7, "minute": 32}
